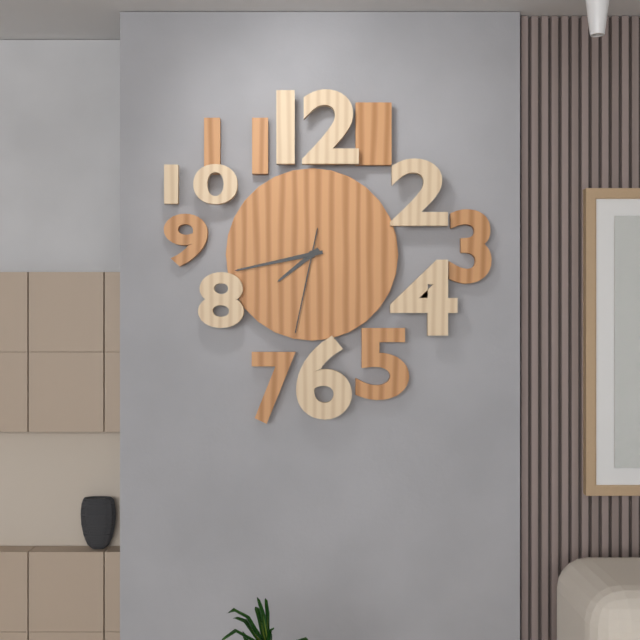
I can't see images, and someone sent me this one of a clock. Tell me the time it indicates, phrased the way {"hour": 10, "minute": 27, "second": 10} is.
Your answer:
{"hour": 7, "minute": 43, "second": 32}
